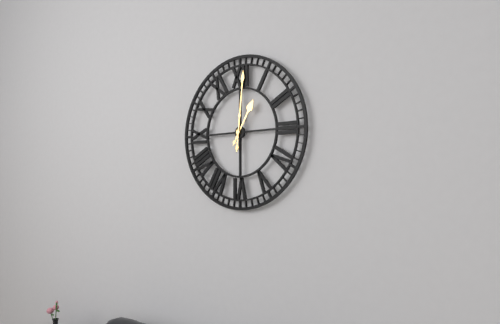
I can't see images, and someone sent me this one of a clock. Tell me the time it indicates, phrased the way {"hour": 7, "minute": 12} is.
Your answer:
{"hour": 1, "minute": 1}
